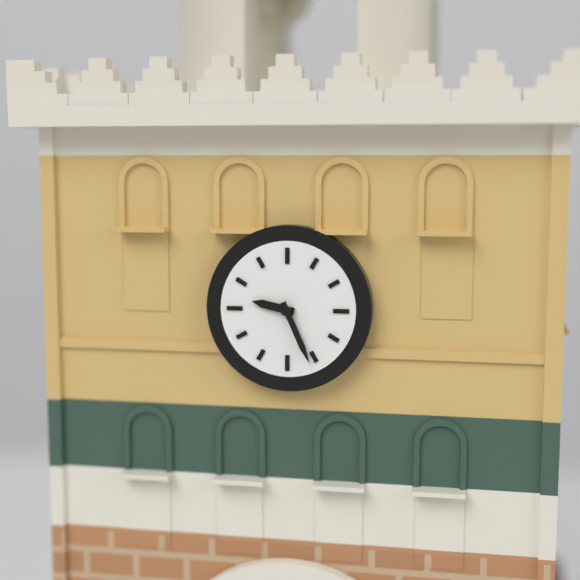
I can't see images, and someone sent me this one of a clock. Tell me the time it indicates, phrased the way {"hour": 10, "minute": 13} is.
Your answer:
{"hour": 9, "minute": 26}
